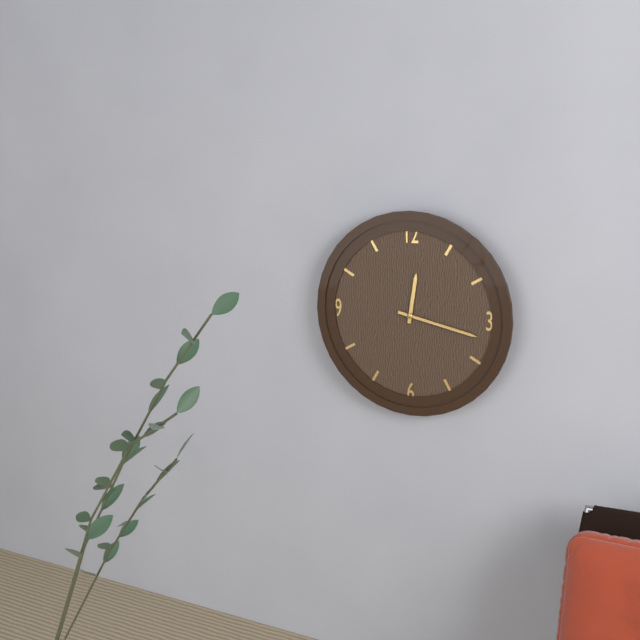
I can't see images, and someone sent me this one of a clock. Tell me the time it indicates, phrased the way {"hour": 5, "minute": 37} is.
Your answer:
{"hour": 12, "minute": 17}
